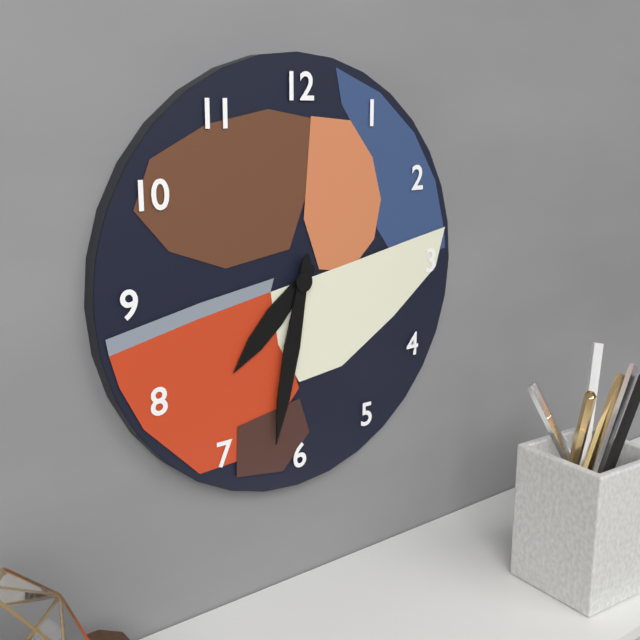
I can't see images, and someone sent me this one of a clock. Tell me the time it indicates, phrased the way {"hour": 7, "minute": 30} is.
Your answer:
{"hour": 7, "minute": 32}
